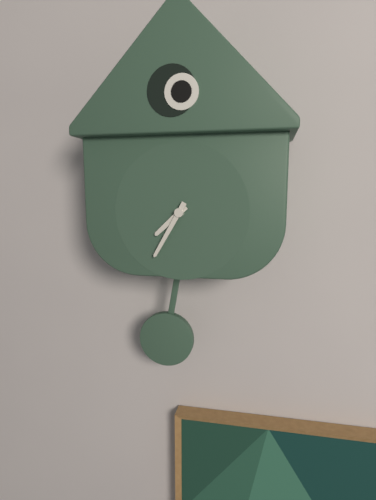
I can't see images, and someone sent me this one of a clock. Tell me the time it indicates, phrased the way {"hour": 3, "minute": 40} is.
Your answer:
{"hour": 7, "minute": 35}
